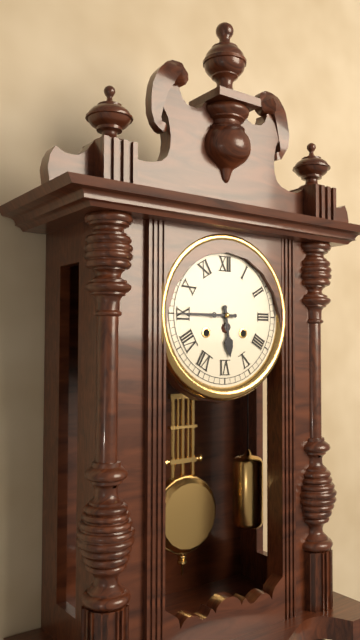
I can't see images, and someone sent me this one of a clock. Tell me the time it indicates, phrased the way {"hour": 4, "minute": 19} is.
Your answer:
{"hour": 5, "minute": 45}
